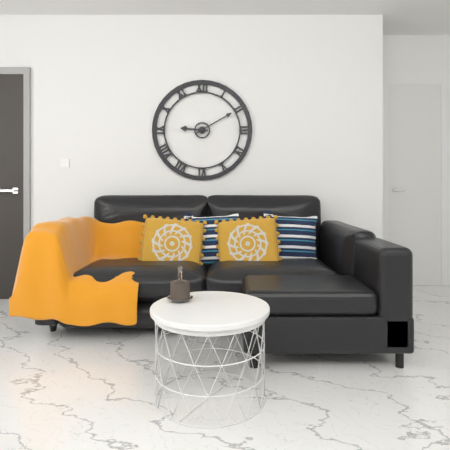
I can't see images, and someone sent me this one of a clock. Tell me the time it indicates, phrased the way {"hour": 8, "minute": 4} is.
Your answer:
{"hour": 9, "minute": 10}
